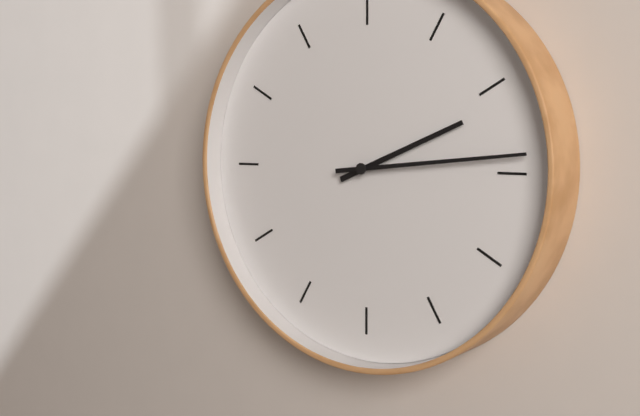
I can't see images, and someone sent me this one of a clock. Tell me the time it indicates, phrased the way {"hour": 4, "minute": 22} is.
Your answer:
{"hour": 2, "minute": 14}
